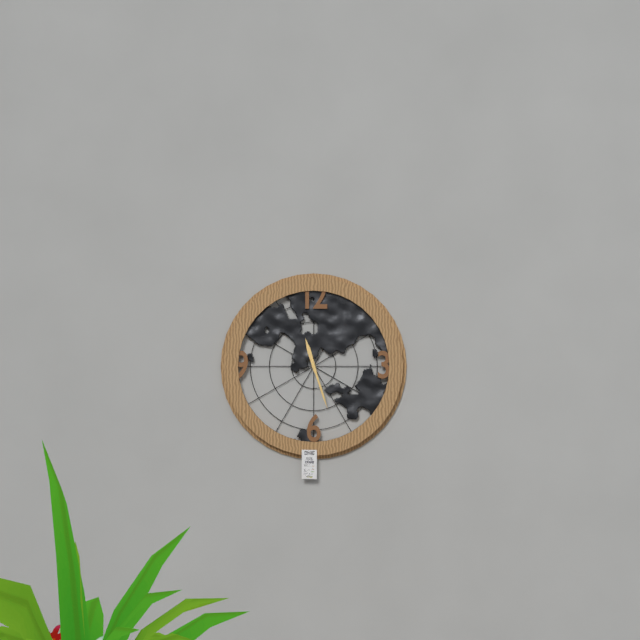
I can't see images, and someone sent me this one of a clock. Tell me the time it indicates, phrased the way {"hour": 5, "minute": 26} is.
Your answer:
{"hour": 11, "minute": 27}
